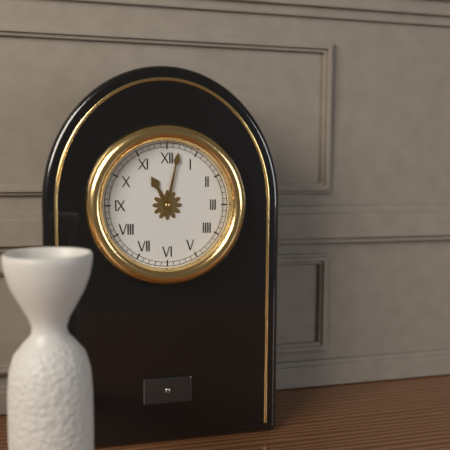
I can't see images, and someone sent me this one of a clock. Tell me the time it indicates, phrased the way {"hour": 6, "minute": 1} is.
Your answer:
{"hour": 11, "minute": 2}
